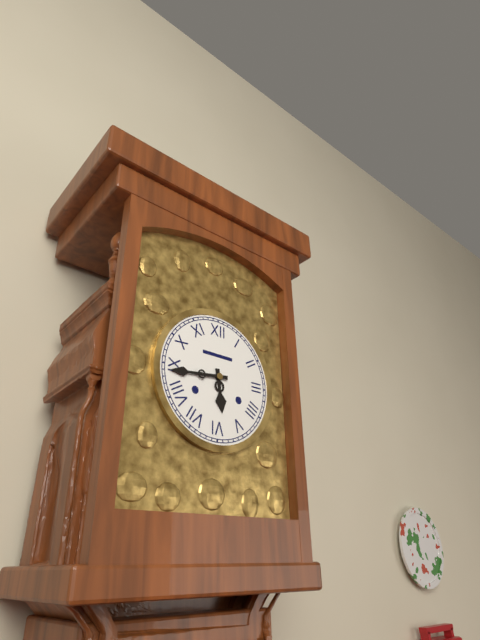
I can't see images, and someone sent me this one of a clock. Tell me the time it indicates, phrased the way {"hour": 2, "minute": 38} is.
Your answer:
{"hour": 5, "minute": 44}
